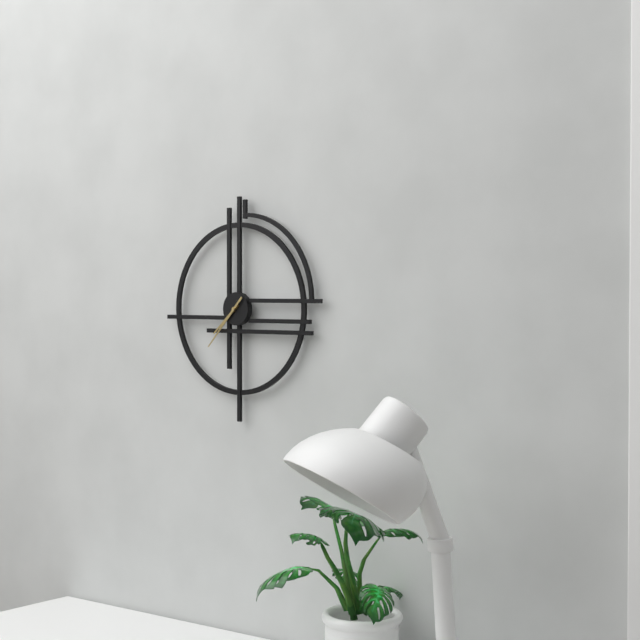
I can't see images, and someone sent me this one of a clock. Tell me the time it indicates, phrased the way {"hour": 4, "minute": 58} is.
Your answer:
{"hour": 7, "minute": 37}
